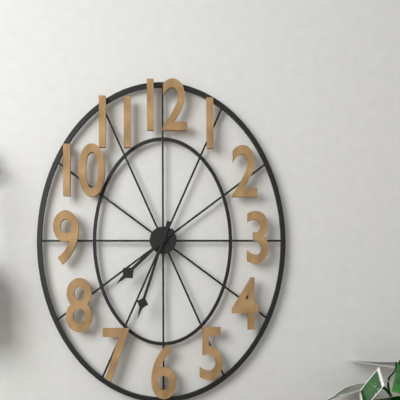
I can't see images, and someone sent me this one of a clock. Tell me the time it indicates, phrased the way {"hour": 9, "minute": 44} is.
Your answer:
{"hour": 7, "minute": 33}
